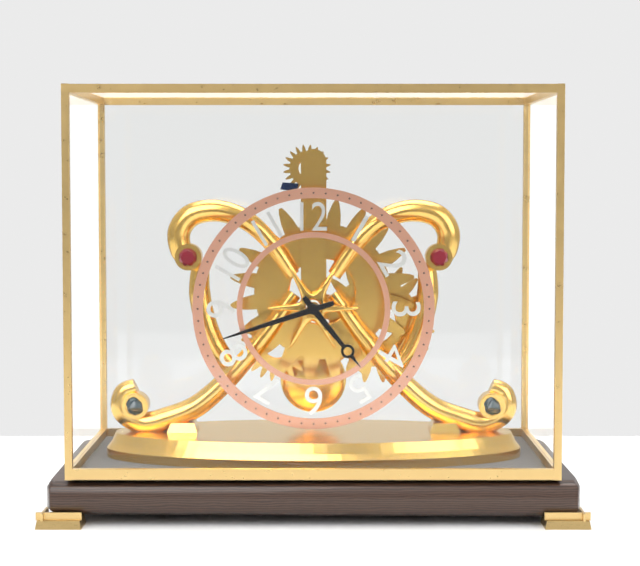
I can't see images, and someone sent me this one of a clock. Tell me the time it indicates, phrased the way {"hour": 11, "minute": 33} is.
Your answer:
{"hour": 4, "minute": 42}
